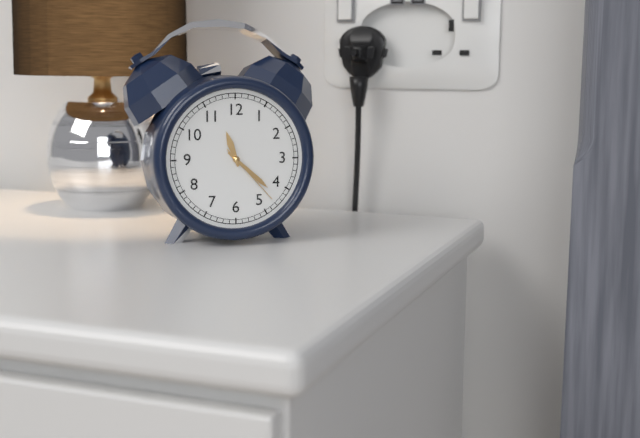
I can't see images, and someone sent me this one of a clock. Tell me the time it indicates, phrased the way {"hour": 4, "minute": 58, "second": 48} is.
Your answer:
{"hour": 11, "minute": 22, "second": 23}
